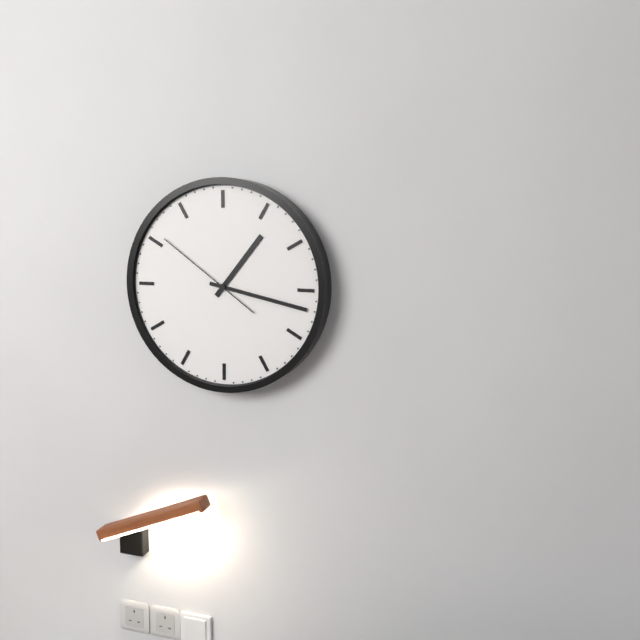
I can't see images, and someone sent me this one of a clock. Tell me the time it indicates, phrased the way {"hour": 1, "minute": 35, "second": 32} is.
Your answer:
{"hour": 1, "minute": 17, "second": 51}
